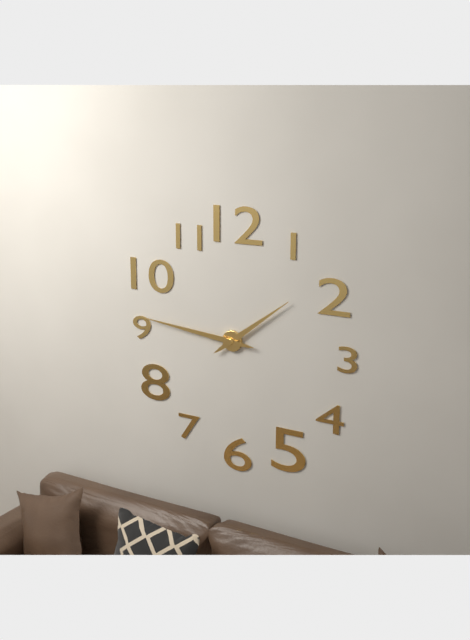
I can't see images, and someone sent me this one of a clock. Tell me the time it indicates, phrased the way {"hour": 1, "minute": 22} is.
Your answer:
{"hour": 1, "minute": 46}
